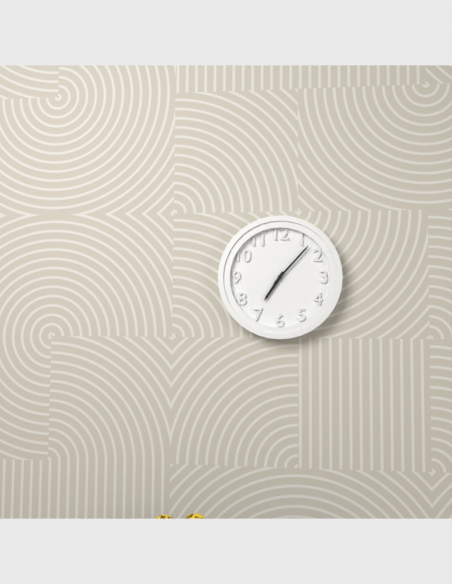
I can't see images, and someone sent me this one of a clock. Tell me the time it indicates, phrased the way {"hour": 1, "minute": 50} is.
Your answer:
{"hour": 7, "minute": 7}
